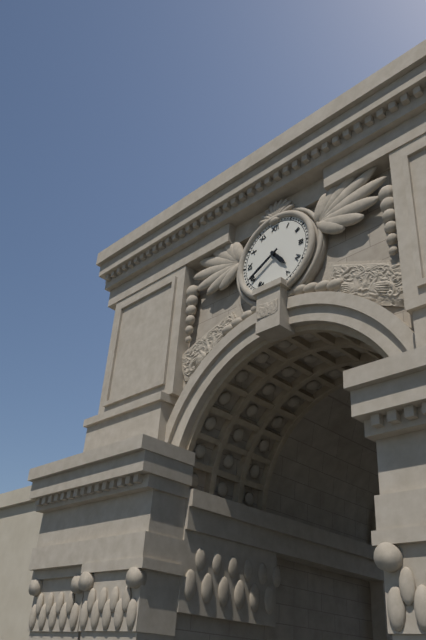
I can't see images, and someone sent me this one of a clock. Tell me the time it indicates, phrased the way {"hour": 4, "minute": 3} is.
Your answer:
{"hour": 4, "minute": 40}
